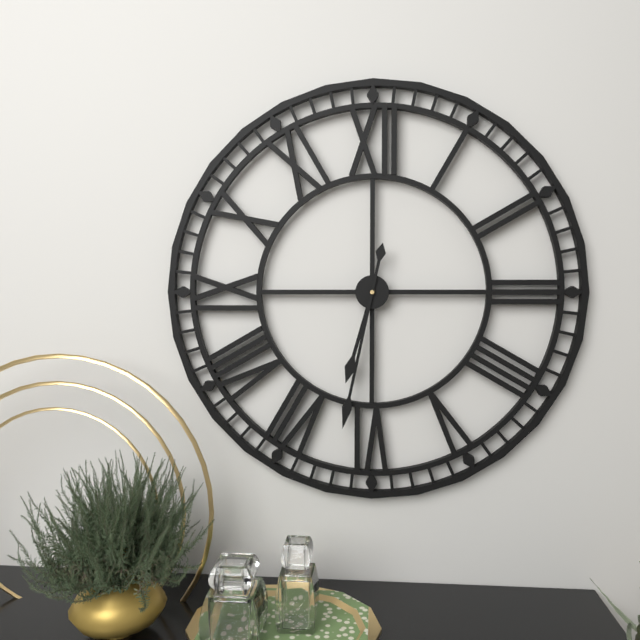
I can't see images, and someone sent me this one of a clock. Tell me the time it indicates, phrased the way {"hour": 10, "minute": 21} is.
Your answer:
{"hour": 6, "minute": 32}
